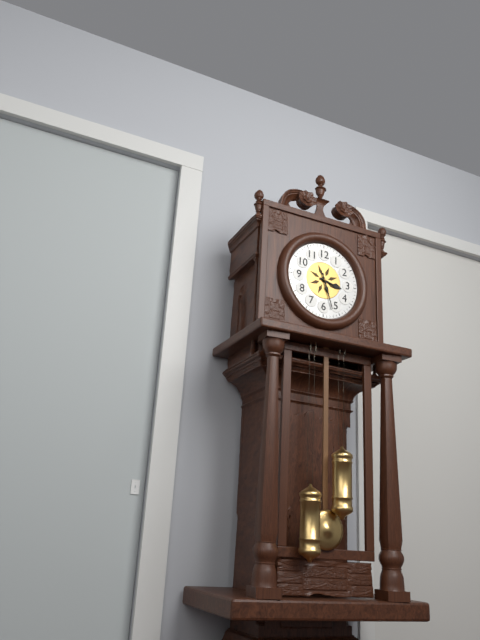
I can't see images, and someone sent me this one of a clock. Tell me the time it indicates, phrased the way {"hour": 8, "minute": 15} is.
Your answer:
{"hour": 3, "minute": 27}
